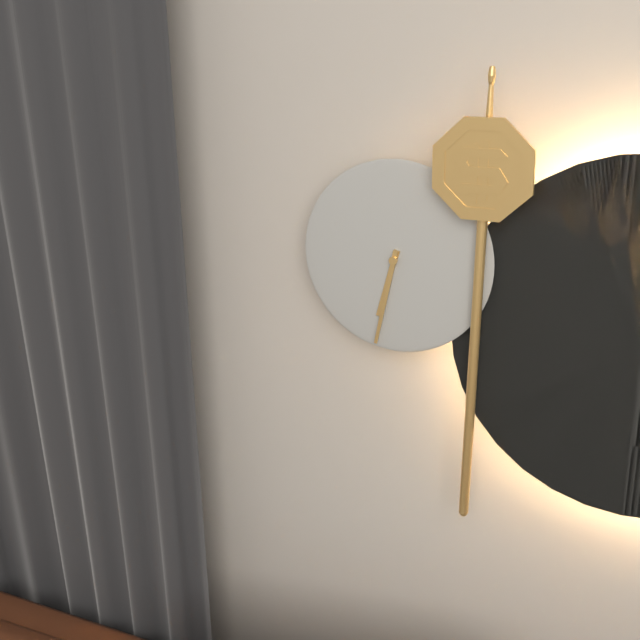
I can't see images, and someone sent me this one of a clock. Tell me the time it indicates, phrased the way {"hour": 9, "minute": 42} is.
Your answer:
{"hour": 6, "minute": 32}
